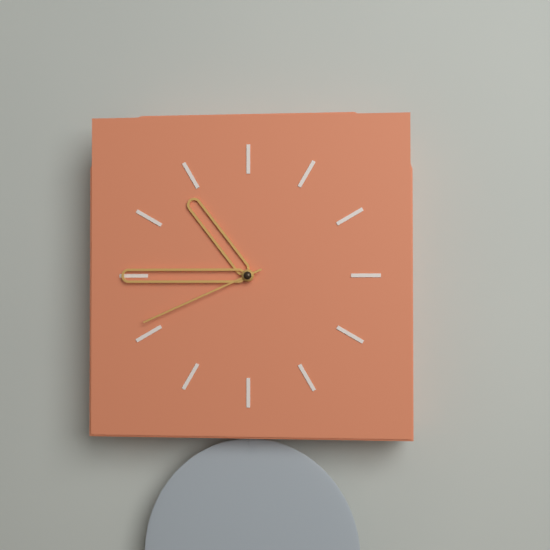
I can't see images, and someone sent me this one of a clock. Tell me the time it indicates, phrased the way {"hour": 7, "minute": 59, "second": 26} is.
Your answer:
{"hour": 10, "minute": 45, "second": 41}
